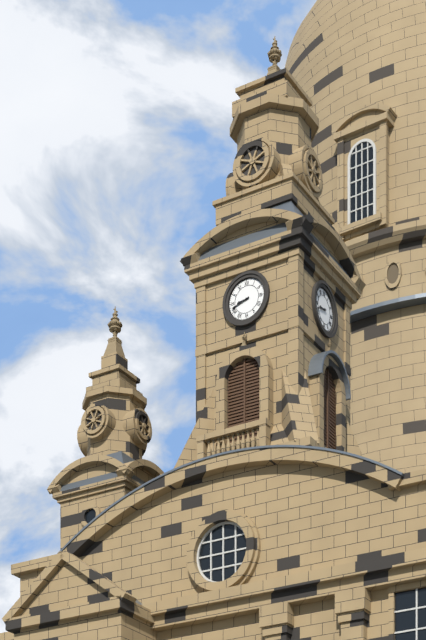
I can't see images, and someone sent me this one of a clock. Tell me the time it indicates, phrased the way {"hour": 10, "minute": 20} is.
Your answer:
{"hour": 8, "minute": 42}
